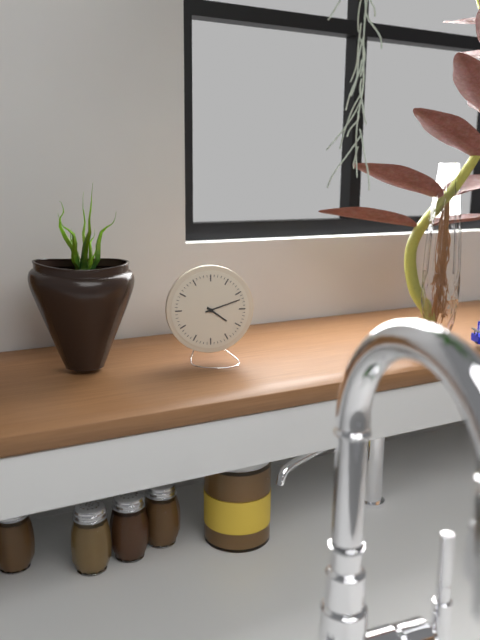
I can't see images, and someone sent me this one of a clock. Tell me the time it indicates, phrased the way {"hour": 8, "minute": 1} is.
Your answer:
{"hour": 4, "minute": 12}
